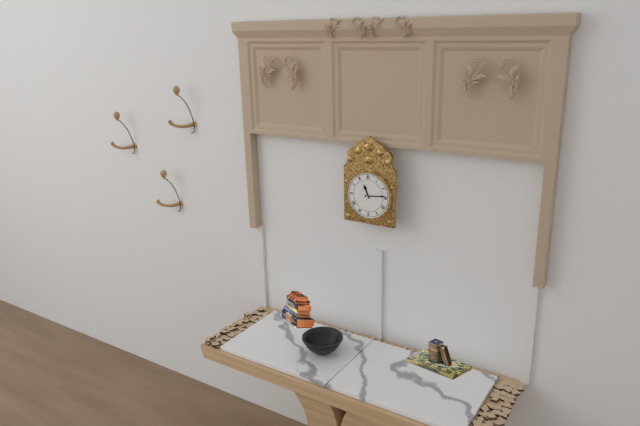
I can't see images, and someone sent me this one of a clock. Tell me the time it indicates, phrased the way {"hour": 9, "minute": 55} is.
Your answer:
{"hour": 11, "minute": 14}
